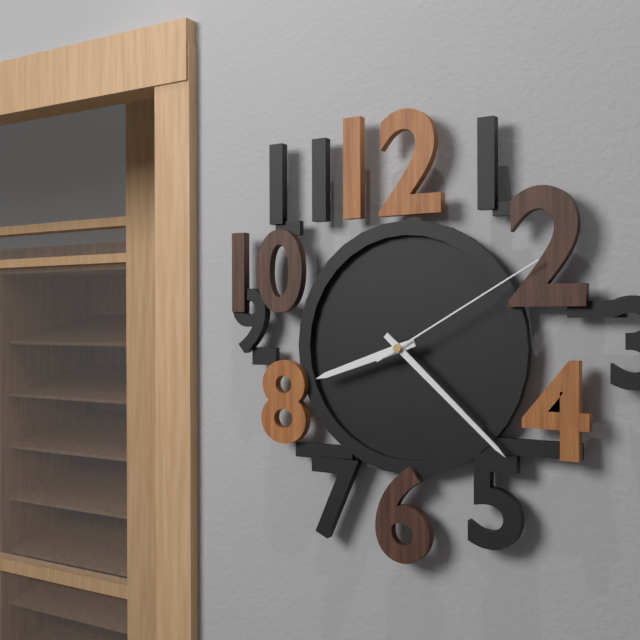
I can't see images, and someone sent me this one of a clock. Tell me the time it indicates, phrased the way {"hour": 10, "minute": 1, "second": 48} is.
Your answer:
{"hour": 8, "minute": 22, "second": 10}
